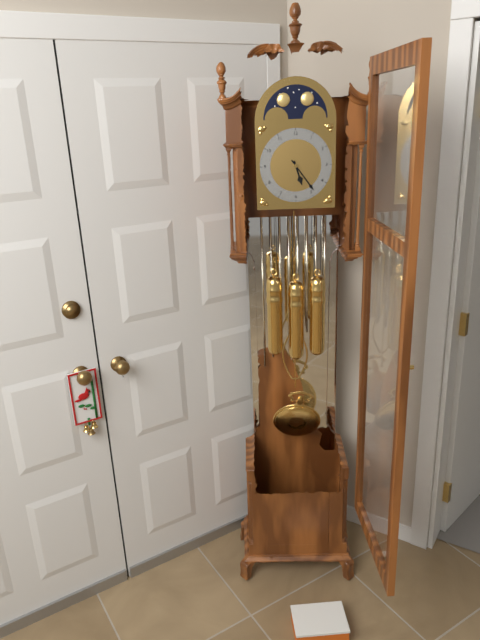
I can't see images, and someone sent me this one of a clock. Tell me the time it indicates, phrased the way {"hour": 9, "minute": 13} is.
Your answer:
{"hour": 5, "minute": 24}
